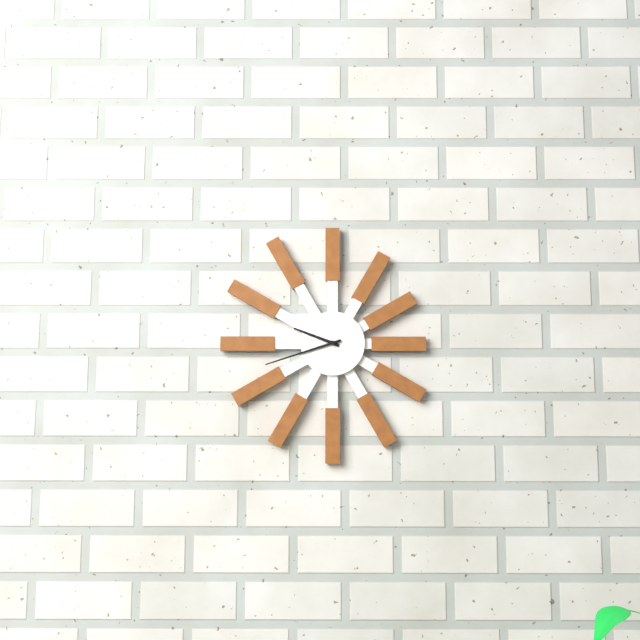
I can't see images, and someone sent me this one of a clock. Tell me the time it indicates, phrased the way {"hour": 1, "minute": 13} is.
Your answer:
{"hour": 9, "minute": 42}
